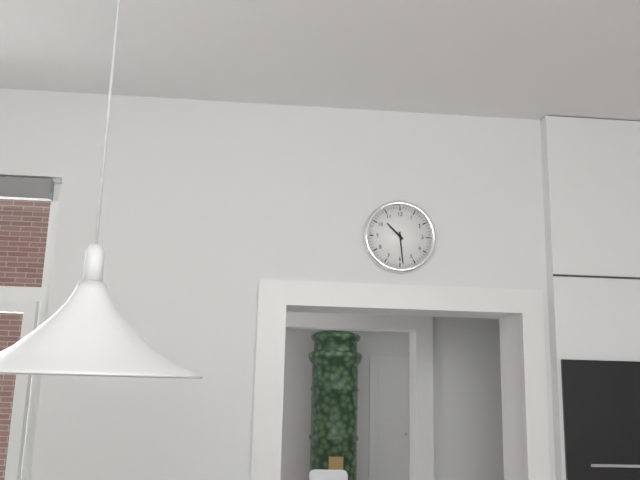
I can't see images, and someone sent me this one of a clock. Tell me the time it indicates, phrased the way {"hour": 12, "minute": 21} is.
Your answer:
{"hour": 10, "minute": 29}
